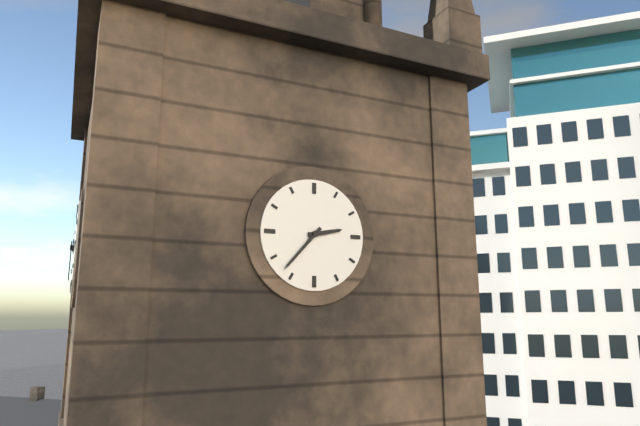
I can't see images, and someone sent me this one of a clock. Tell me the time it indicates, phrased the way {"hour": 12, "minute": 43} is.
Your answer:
{"hour": 2, "minute": 37}
